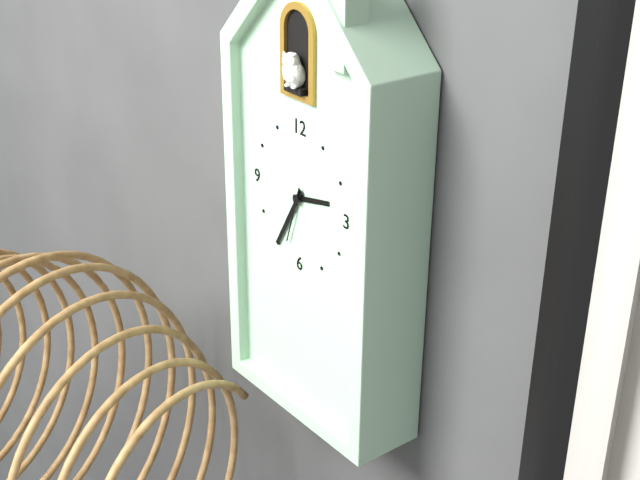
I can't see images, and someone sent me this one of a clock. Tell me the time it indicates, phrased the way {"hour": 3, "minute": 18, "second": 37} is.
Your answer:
{"hour": 2, "minute": 35, "second": 33}
